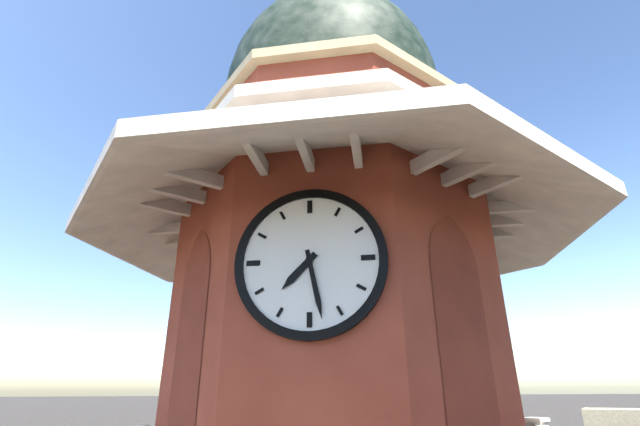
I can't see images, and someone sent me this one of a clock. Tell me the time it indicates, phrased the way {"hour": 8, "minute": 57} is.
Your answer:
{"hour": 7, "minute": 28}
